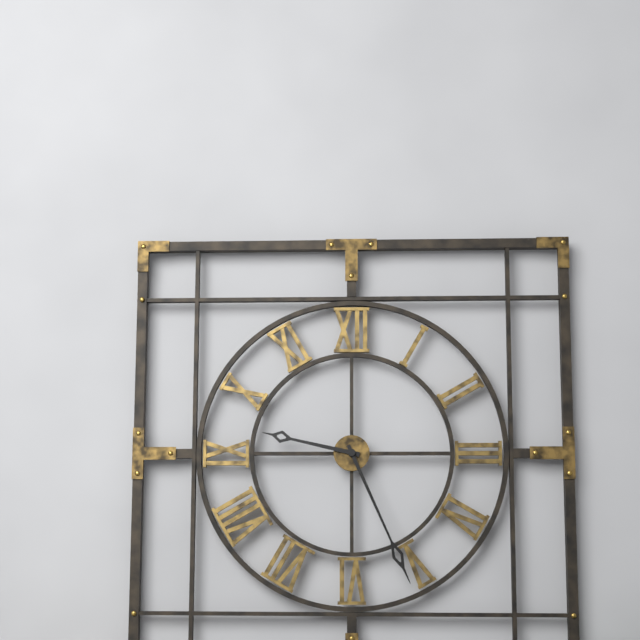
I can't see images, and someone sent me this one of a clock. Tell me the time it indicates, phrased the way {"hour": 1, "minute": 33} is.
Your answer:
{"hour": 9, "minute": 26}
